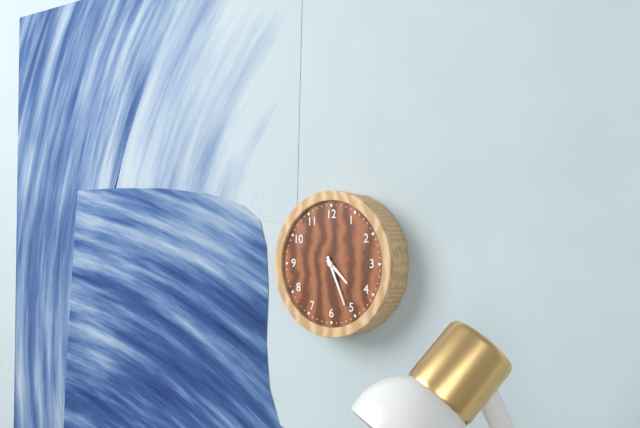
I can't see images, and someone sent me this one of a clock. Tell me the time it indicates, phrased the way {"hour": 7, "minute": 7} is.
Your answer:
{"hour": 4, "minute": 26}
